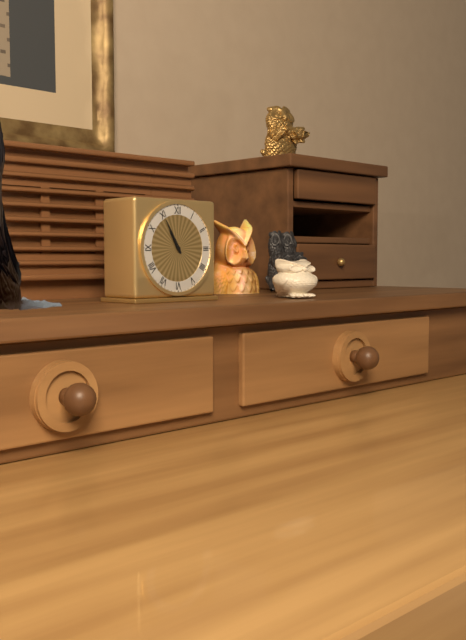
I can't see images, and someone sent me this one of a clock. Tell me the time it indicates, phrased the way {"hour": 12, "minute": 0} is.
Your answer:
{"hour": 10, "minute": 55}
